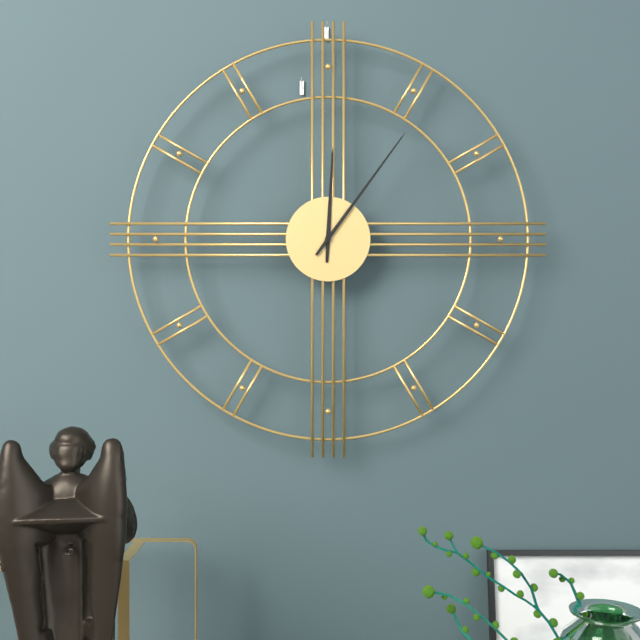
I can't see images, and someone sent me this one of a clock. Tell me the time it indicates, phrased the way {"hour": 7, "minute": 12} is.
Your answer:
{"hour": 12, "minute": 6}
